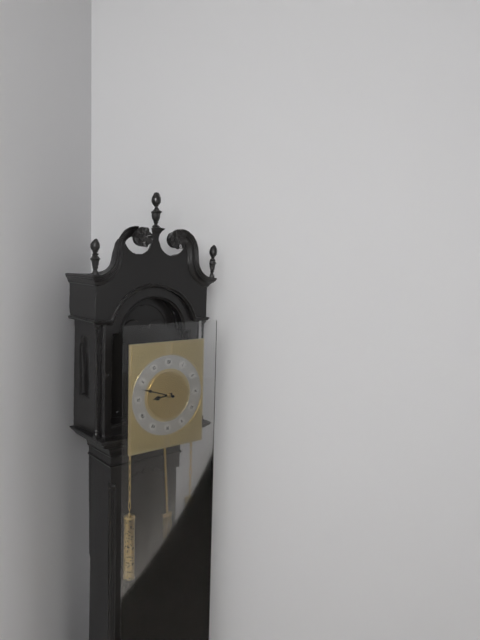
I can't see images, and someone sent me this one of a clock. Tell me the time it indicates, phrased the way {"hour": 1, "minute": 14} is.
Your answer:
{"hour": 8, "minute": 48}
